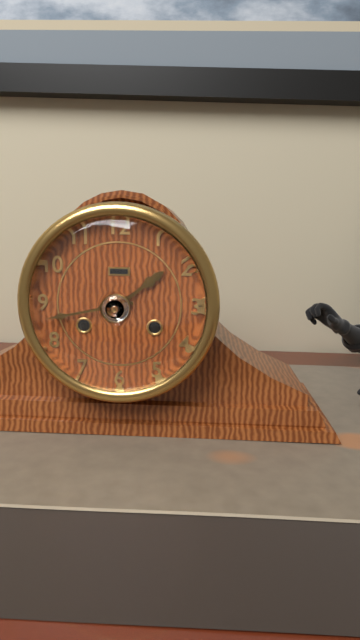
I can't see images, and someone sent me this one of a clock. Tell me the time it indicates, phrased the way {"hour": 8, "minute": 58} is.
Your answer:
{"hour": 1, "minute": 43}
